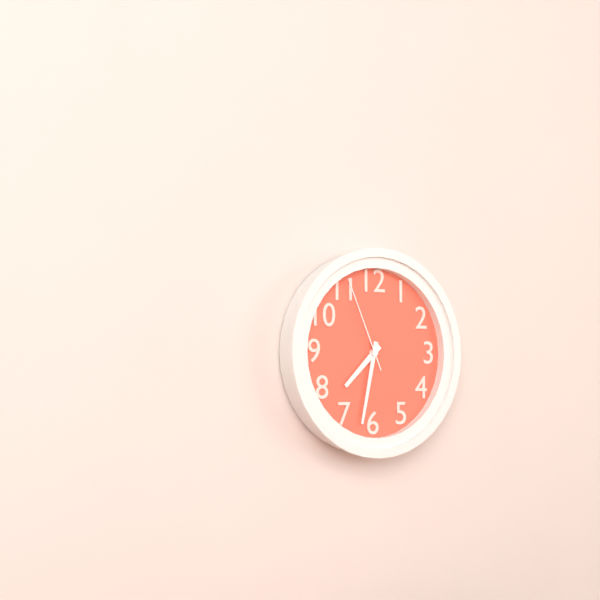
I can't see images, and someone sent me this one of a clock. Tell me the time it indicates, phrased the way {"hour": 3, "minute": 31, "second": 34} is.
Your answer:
{"hour": 7, "minute": 32, "second": 56}
